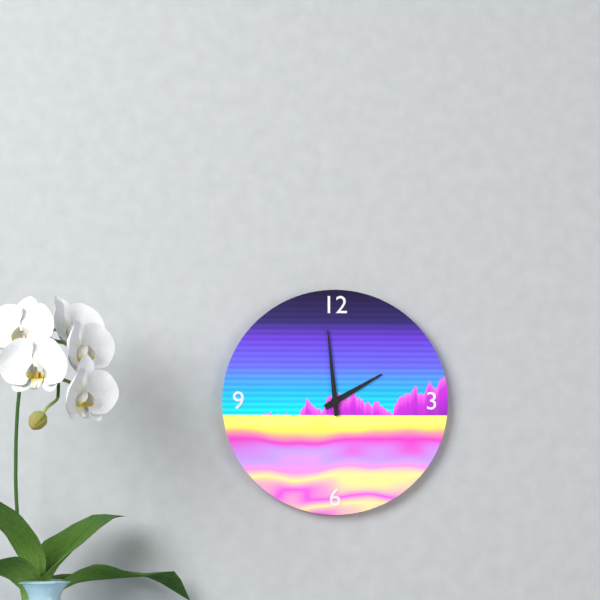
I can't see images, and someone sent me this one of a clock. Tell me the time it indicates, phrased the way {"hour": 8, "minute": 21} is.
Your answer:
{"hour": 1, "minute": 59}
